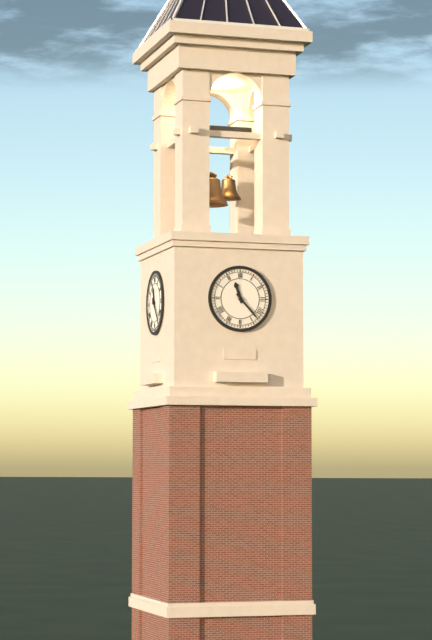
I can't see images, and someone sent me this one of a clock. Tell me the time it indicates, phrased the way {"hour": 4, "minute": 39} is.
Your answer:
{"hour": 11, "minute": 23}
